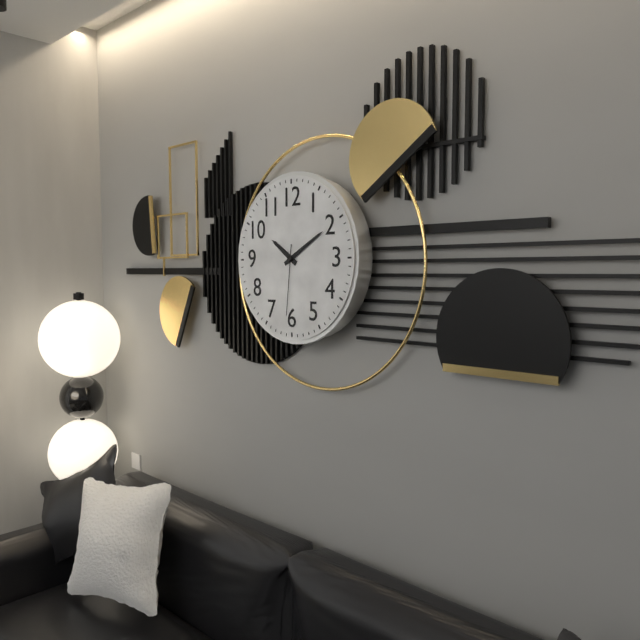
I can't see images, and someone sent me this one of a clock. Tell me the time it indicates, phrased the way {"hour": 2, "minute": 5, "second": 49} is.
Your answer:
{"hour": 10, "minute": 10, "second": 31}
